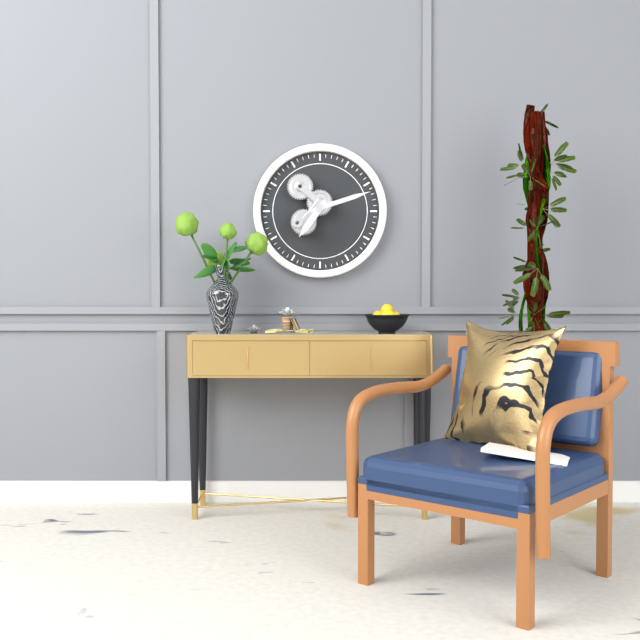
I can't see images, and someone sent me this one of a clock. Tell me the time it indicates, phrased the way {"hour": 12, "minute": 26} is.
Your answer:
{"hour": 7, "minute": 12}
